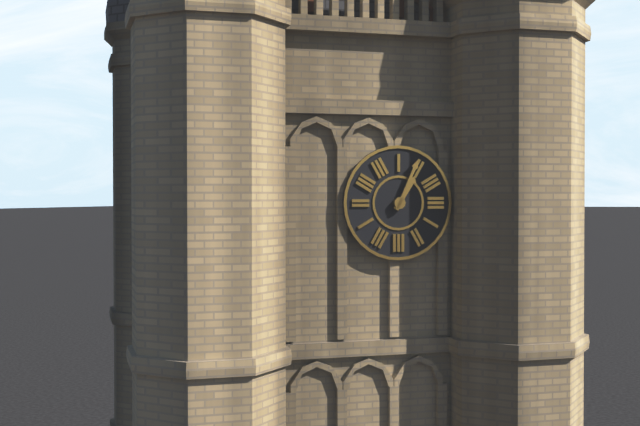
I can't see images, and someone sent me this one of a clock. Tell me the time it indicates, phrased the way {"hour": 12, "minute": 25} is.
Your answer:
{"hour": 1, "minute": 4}
